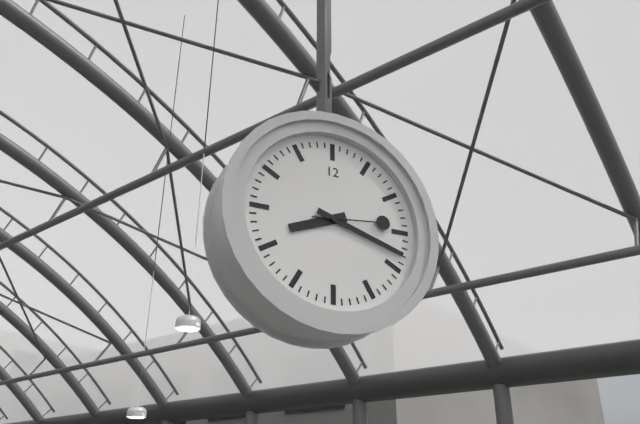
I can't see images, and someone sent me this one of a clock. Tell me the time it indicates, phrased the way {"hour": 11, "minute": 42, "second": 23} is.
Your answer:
{"hour": 8, "minute": 18, "second": 14}
